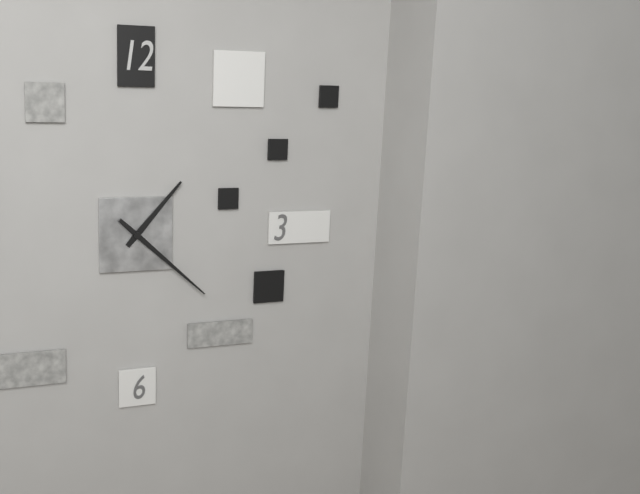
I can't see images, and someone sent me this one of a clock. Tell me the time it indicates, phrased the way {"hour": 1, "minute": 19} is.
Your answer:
{"hour": 1, "minute": 22}
